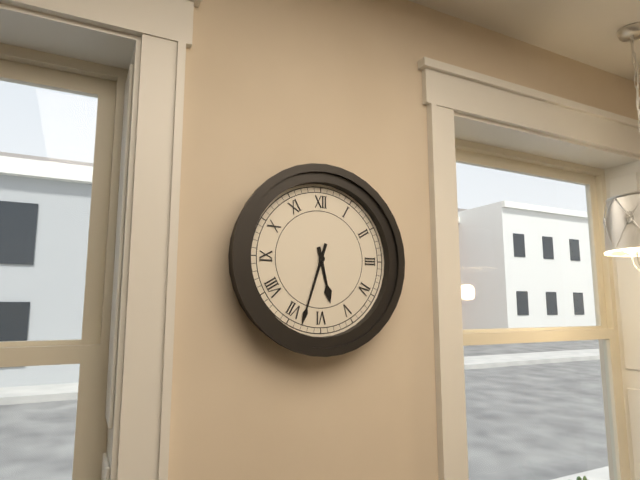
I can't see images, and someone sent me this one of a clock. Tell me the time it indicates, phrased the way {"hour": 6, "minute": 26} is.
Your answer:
{"hour": 5, "minute": 33}
